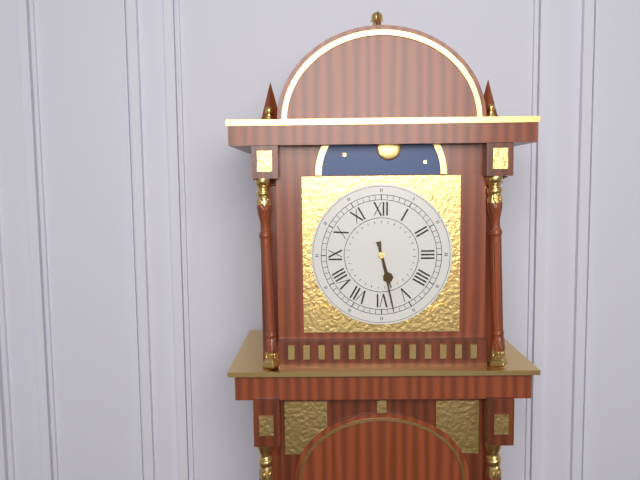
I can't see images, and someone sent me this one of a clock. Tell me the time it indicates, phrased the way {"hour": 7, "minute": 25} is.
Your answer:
{"hour": 5, "minute": 28}
